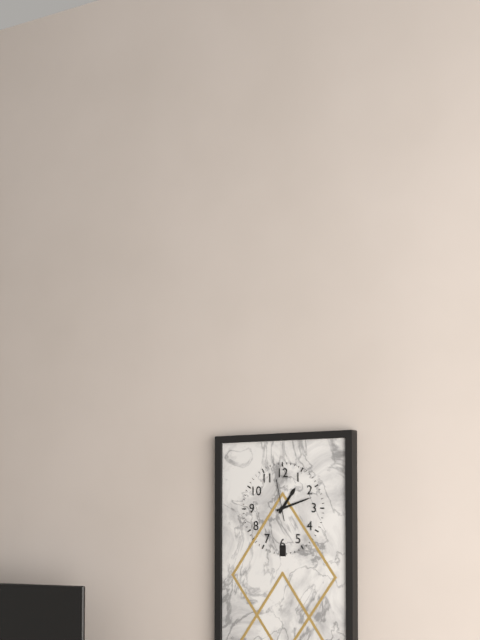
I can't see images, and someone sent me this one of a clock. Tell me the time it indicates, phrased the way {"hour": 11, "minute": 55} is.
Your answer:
{"hour": 1, "minute": 12}
